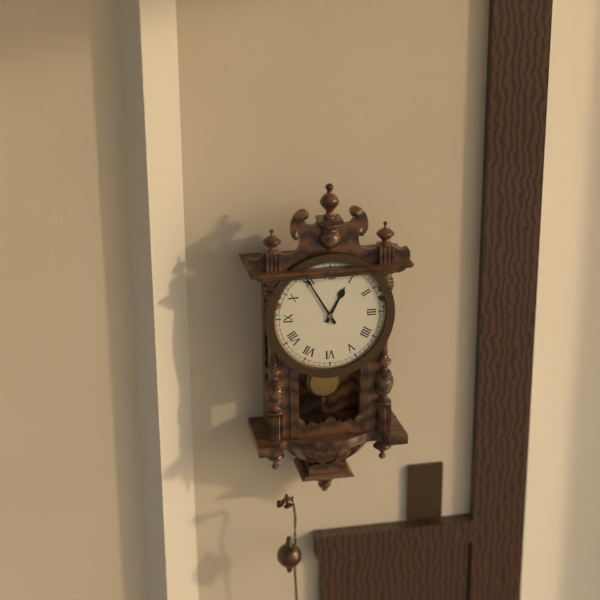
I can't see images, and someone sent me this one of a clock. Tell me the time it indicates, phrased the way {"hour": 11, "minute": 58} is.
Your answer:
{"hour": 12, "minute": 55}
